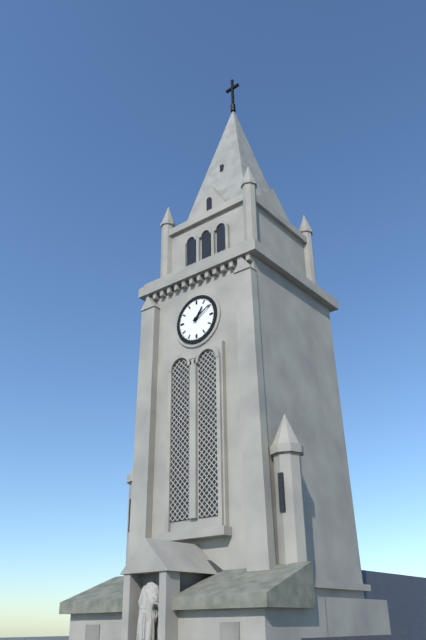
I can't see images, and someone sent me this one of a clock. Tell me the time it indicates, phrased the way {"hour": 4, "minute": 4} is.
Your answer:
{"hour": 1, "minute": 10}
